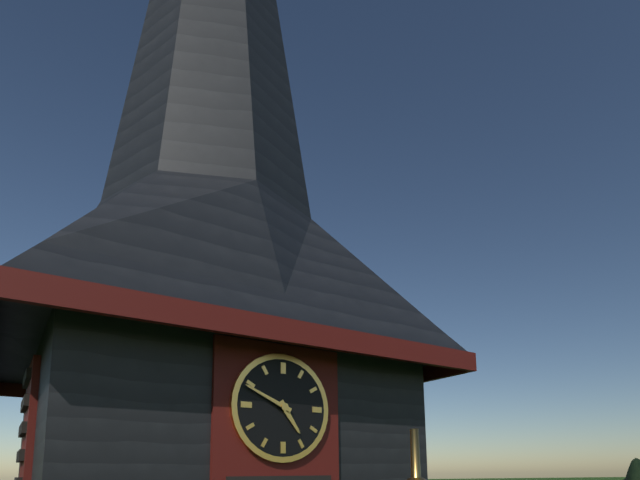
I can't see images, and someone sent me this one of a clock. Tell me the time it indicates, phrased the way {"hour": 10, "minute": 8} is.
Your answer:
{"hour": 4, "minute": 49}
